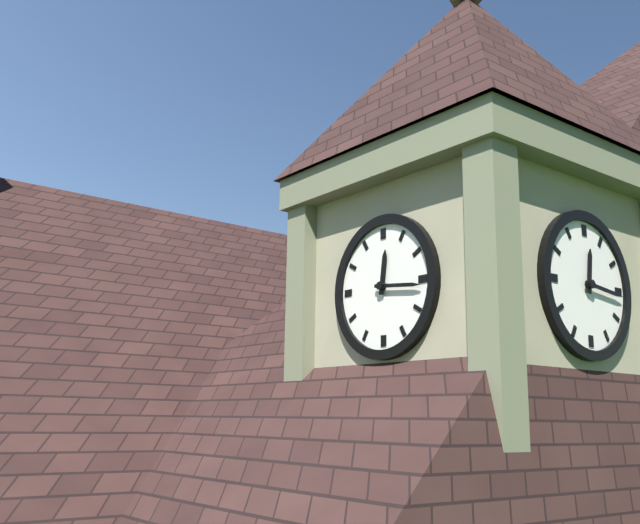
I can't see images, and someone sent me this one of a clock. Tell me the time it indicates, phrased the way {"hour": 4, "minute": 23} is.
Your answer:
{"hour": 12, "minute": 16}
